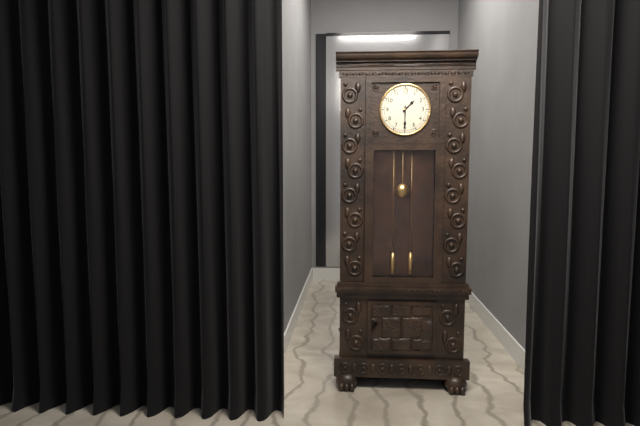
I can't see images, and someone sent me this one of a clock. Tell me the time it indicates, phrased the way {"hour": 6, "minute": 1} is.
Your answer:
{"hour": 1, "minute": 30}
